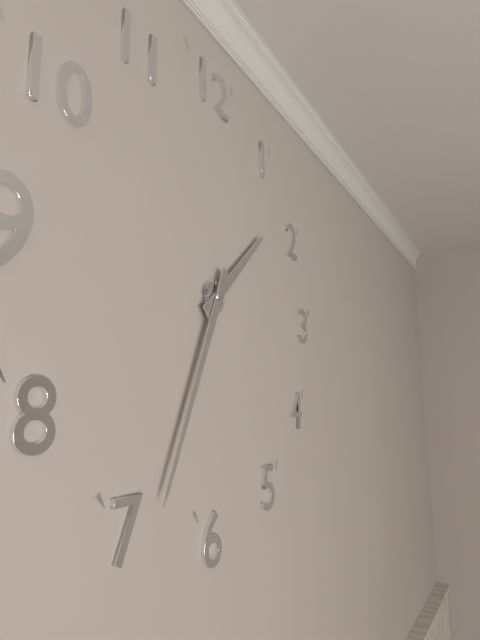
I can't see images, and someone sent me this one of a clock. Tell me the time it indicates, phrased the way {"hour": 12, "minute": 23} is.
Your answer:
{"hour": 1, "minute": 34}
